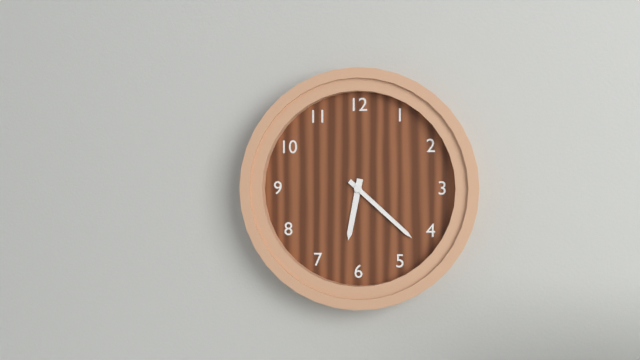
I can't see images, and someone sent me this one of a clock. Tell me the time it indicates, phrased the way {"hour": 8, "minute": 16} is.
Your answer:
{"hour": 6, "minute": 22}
